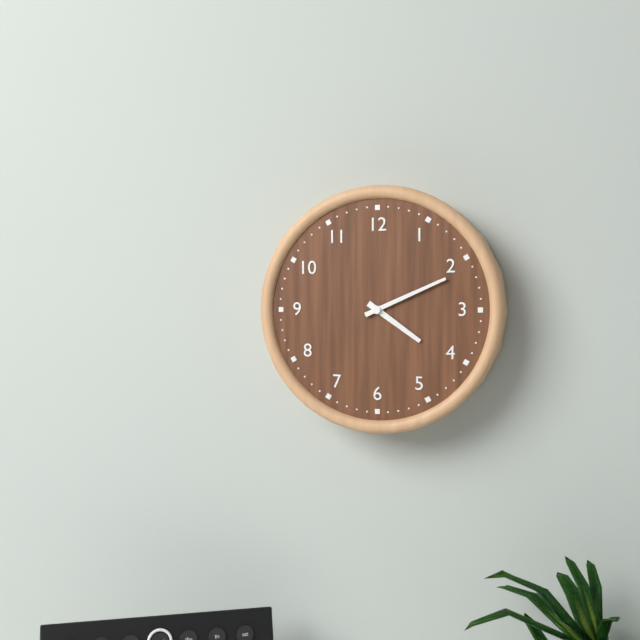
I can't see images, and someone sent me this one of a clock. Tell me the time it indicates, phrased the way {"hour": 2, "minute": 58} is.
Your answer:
{"hour": 4, "minute": 11}
